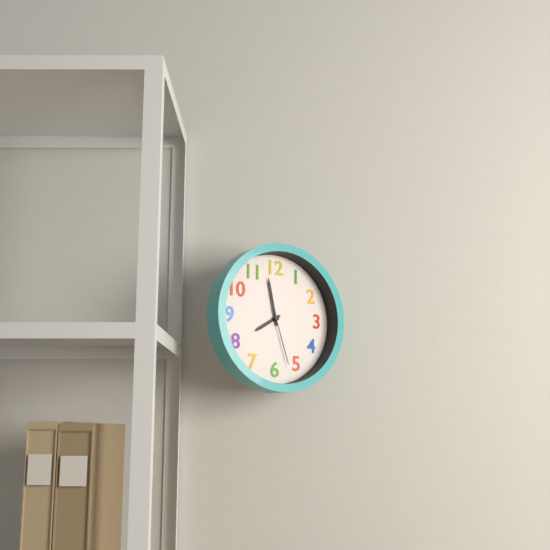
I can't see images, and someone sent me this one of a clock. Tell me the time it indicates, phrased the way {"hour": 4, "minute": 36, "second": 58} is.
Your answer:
{"hour": 7, "minute": 58, "second": 27}
